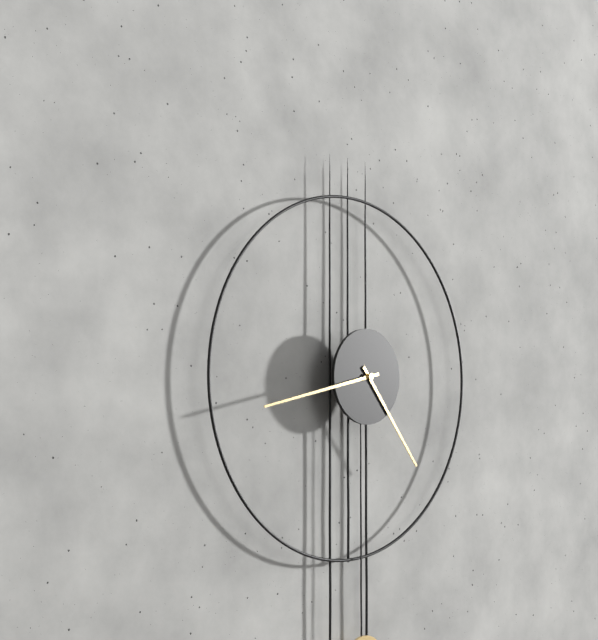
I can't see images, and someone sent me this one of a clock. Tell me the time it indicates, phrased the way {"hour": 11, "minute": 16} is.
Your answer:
{"hour": 4, "minute": 43}
